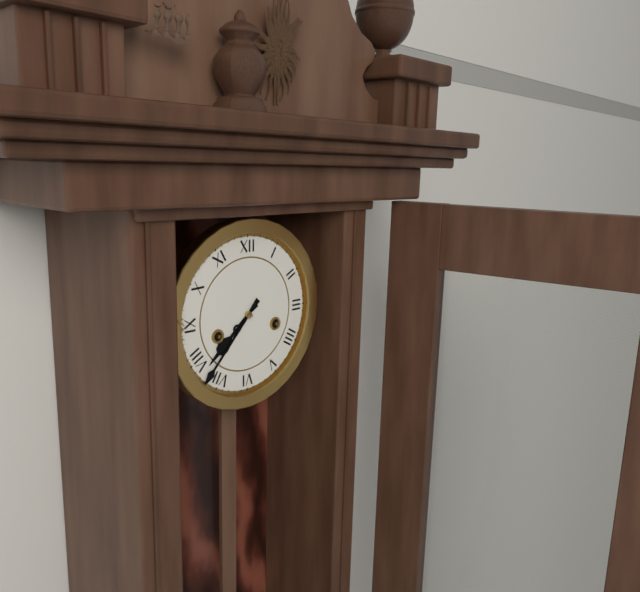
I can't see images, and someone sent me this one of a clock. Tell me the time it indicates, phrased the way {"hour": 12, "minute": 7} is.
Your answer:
{"hour": 7, "minute": 37}
